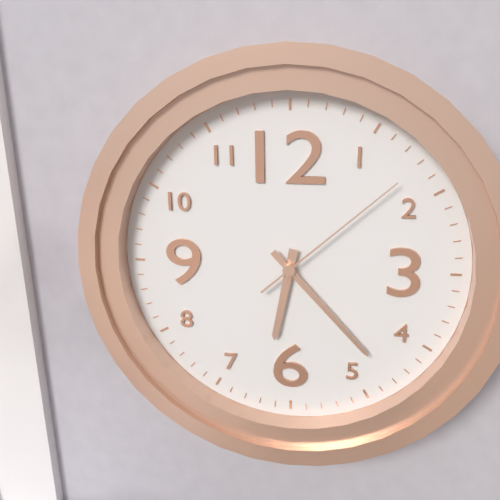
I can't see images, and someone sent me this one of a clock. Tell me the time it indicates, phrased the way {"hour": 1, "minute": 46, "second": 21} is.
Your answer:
{"hour": 6, "minute": 23, "second": 8}
